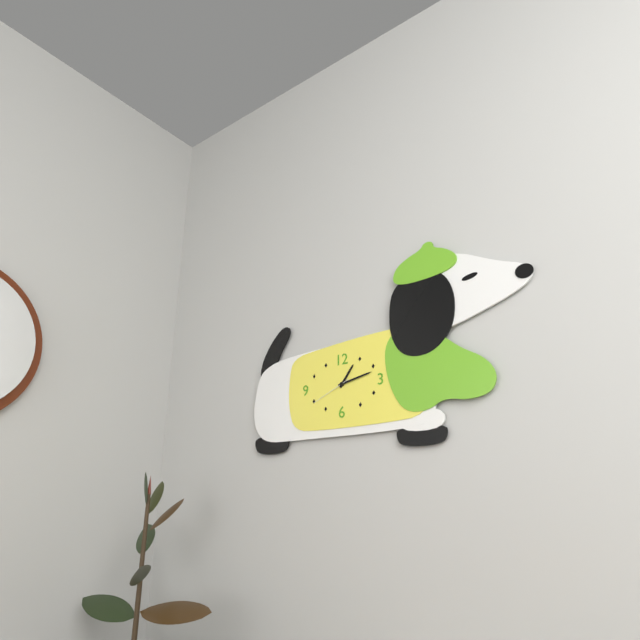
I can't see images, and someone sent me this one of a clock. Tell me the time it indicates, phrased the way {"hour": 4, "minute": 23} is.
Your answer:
{"hour": 1, "minute": 13}
